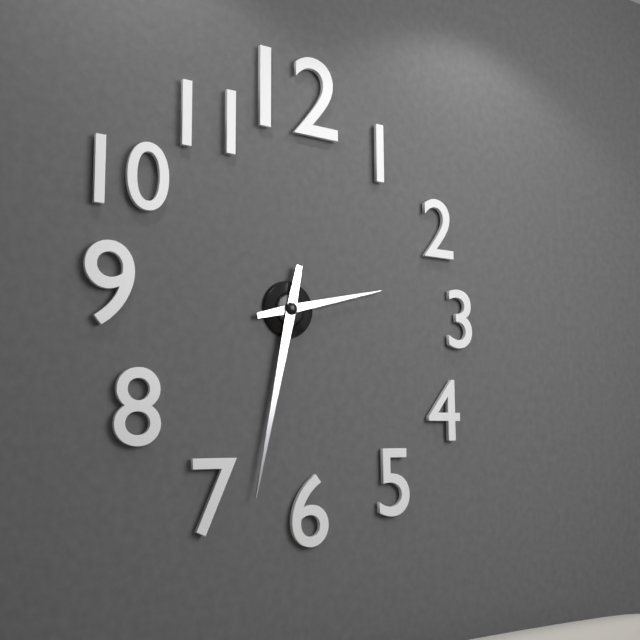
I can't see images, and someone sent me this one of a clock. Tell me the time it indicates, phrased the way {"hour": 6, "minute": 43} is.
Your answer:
{"hour": 2, "minute": 32}
